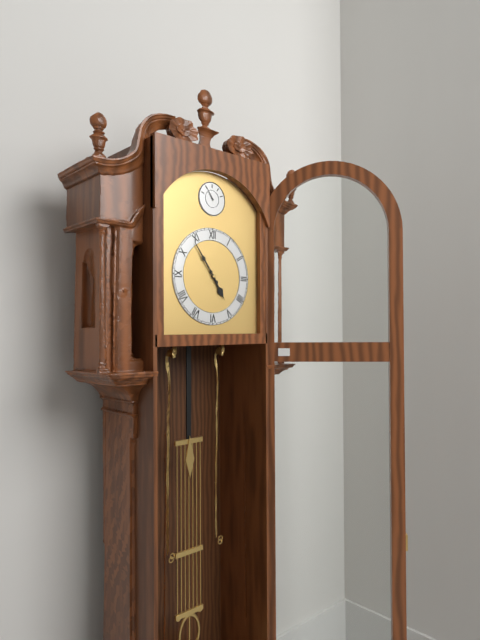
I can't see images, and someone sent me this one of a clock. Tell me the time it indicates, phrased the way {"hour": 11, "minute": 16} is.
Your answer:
{"hour": 4, "minute": 54}
